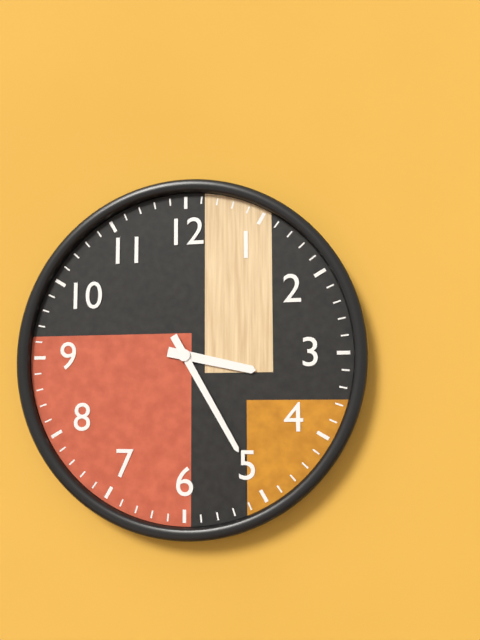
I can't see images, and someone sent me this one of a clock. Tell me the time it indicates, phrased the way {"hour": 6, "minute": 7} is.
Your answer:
{"hour": 3, "minute": 25}
